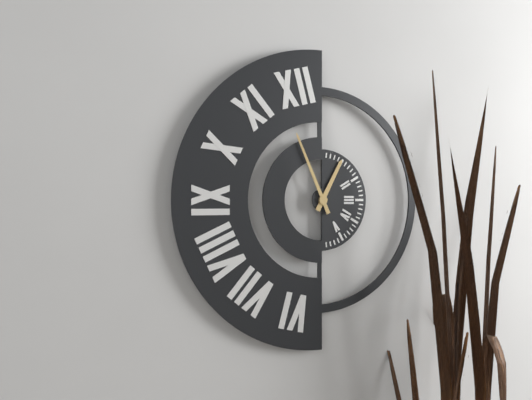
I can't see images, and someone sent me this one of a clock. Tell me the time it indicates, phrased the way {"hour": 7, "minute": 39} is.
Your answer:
{"hour": 12, "minute": 56}
